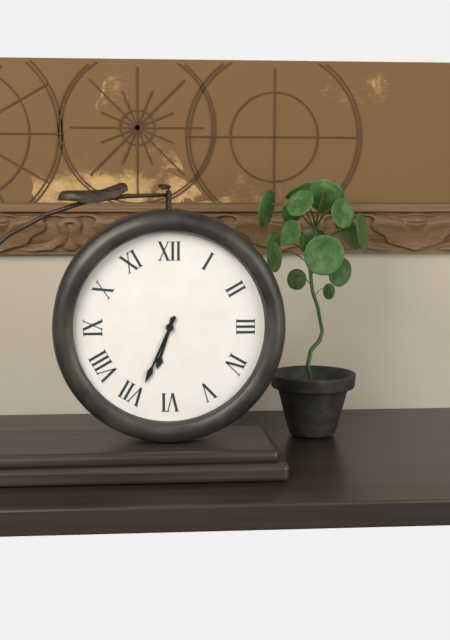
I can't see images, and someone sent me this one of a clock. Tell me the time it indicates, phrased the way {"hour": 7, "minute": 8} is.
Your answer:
{"hour": 6, "minute": 34}
